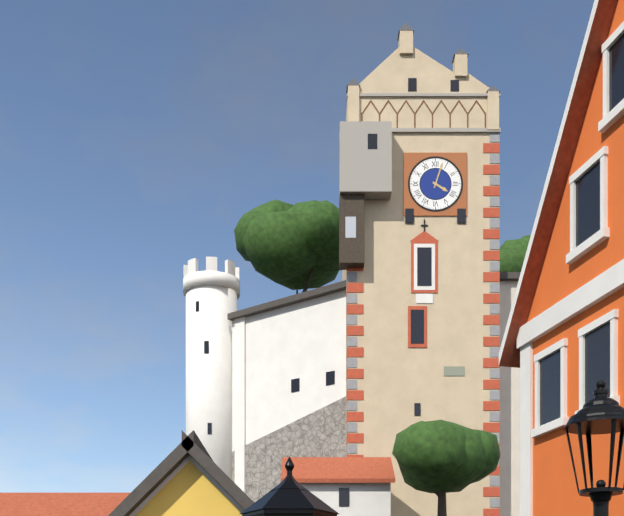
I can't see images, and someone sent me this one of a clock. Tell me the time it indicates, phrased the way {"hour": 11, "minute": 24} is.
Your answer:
{"hour": 4, "minute": 3}
